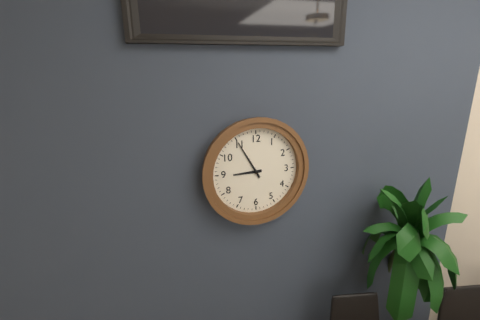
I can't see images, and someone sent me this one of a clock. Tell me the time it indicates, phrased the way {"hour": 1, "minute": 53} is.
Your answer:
{"hour": 8, "minute": 55}
